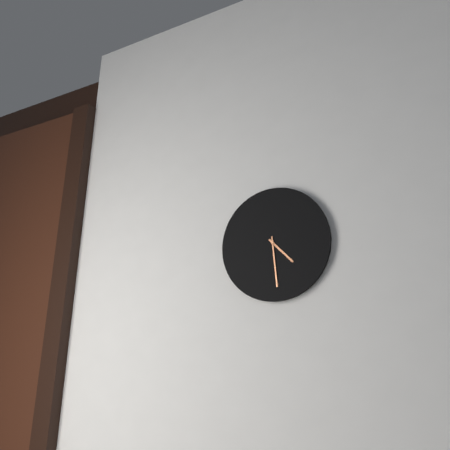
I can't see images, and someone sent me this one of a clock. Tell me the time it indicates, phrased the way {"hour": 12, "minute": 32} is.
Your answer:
{"hour": 4, "minute": 29}
